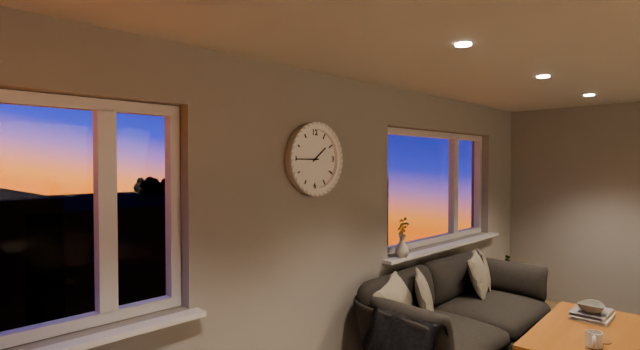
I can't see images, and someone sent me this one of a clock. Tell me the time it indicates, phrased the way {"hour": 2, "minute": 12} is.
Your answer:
{"hour": 1, "minute": 45}
